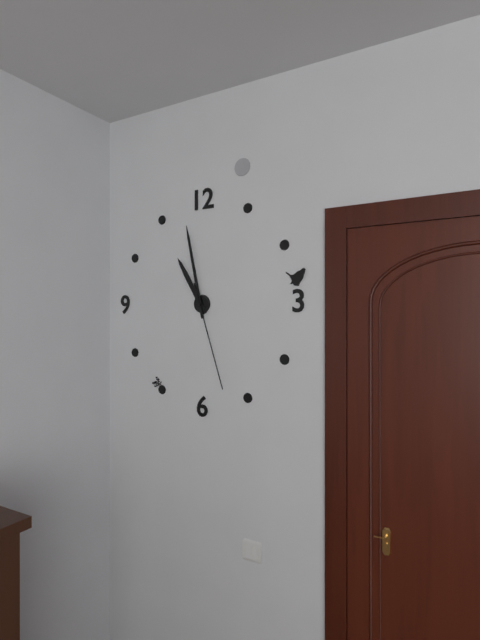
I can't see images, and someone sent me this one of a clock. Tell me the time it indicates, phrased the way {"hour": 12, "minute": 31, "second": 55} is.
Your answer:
{"hour": 10, "minute": 58, "second": 27}
